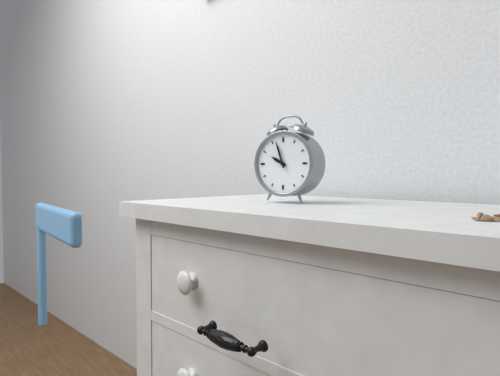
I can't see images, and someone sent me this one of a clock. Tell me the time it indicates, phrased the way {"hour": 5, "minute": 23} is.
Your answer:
{"hour": 9, "minute": 57}
